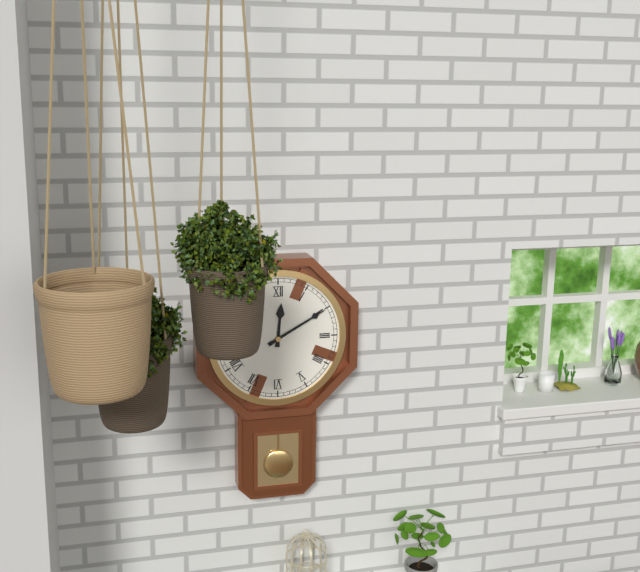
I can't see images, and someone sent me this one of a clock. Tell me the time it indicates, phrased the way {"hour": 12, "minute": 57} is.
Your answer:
{"hour": 12, "minute": 10}
